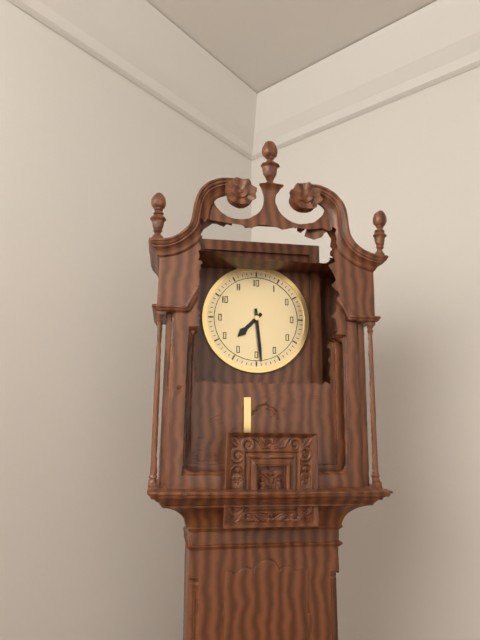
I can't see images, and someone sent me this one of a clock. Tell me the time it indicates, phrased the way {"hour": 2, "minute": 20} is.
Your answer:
{"hour": 7, "minute": 29}
